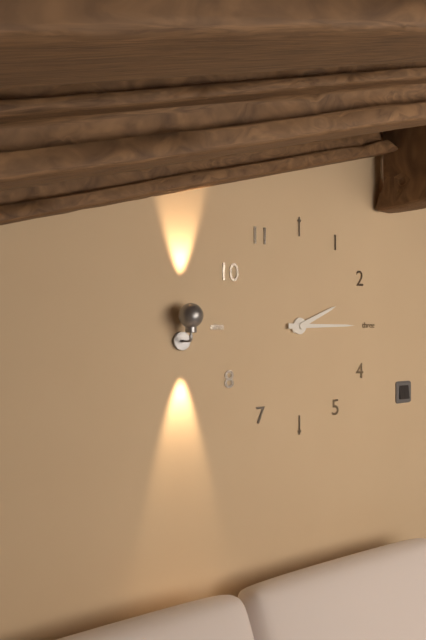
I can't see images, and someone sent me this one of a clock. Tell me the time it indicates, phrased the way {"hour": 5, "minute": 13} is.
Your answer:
{"hour": 2, "minute": 15}
